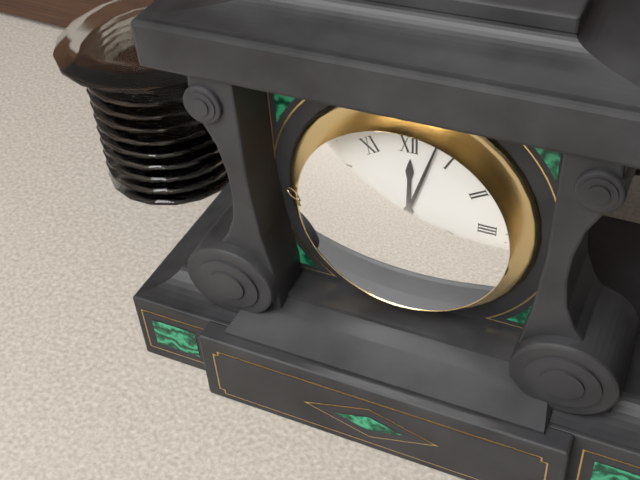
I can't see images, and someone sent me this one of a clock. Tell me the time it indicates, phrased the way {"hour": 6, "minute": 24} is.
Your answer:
{"hour": 12, "minute": 3}
